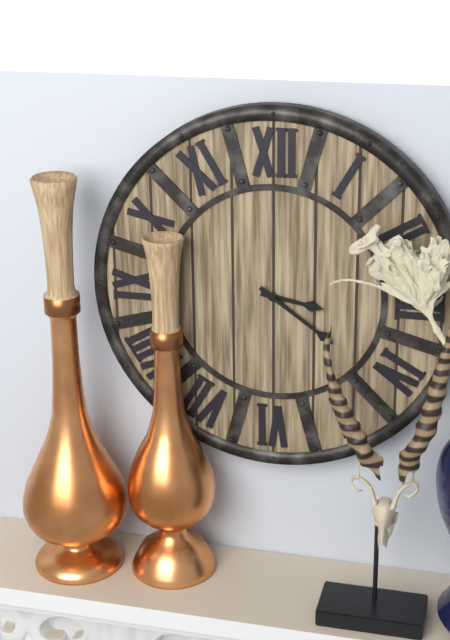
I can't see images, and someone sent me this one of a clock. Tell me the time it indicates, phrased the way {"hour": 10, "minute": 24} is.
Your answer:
{"hour": 3, "minute": 21}
